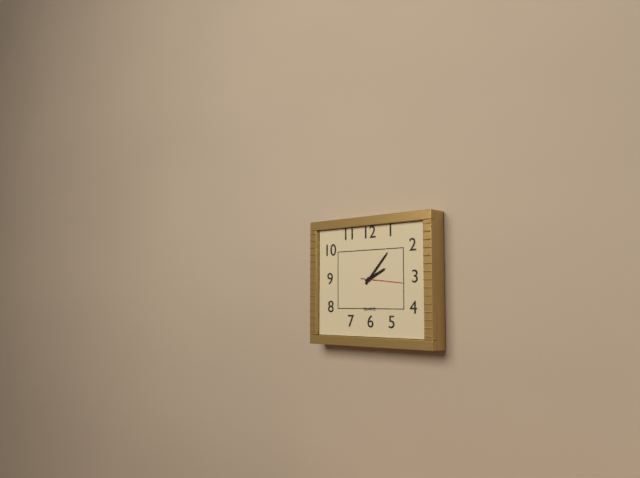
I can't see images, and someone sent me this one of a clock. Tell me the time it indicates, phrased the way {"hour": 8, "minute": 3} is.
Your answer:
{"hour": 2, "minute": 7}
